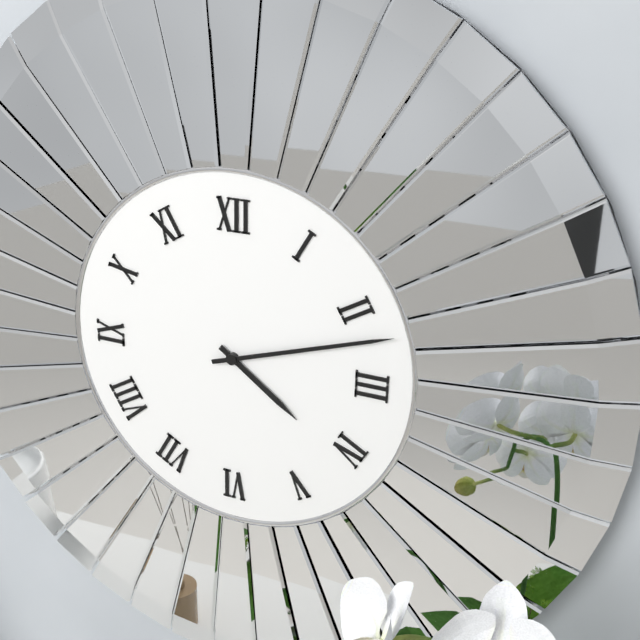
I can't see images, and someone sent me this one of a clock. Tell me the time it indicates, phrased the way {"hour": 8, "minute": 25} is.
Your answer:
{"hour": 4, "minute": 12}
